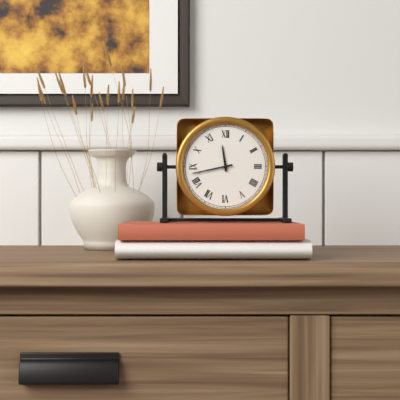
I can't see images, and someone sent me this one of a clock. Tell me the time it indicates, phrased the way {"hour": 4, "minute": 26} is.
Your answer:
{"hour": 11, "minute": 43}
